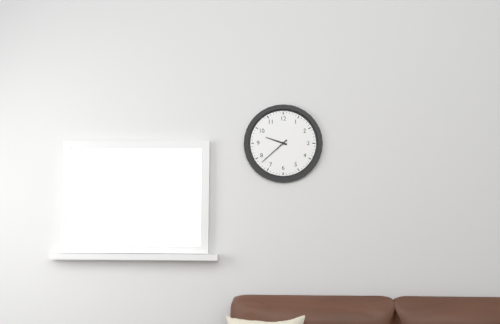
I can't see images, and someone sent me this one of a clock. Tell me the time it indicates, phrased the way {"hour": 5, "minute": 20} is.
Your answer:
{"hour": 9, "minute": 38}
